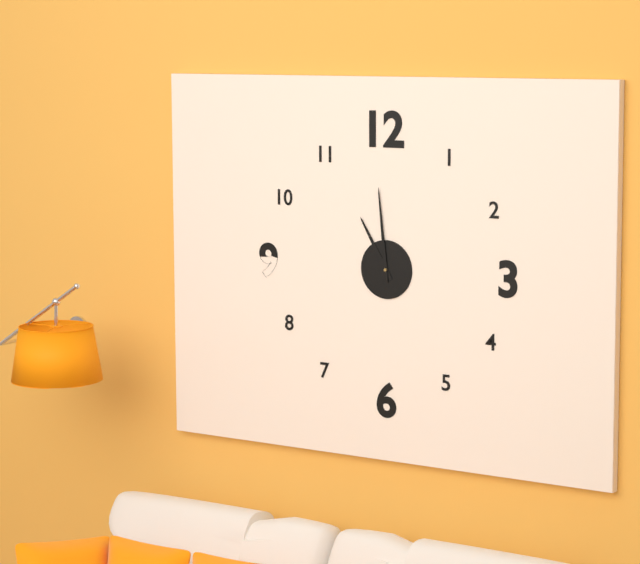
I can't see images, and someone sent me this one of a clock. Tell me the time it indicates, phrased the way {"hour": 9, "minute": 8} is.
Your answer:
{"hour": 10, "minute": 59}
